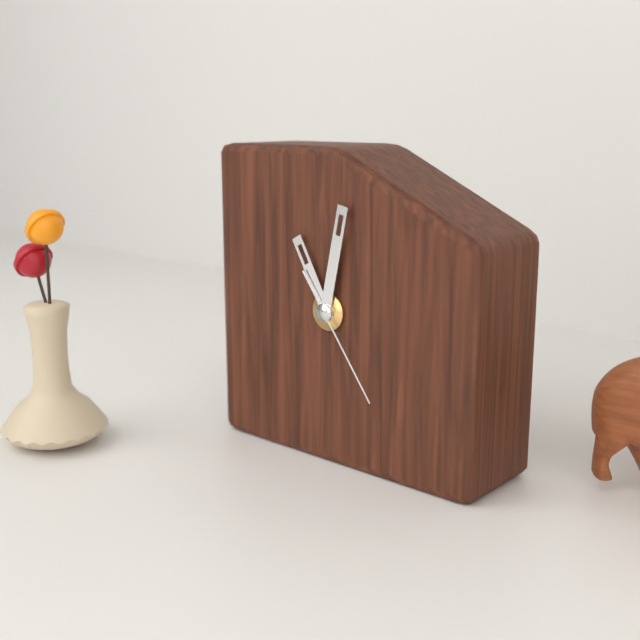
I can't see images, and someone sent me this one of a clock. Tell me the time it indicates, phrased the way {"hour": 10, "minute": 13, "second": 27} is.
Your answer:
{"hour": 11, "minute": 2, "second": 24}
